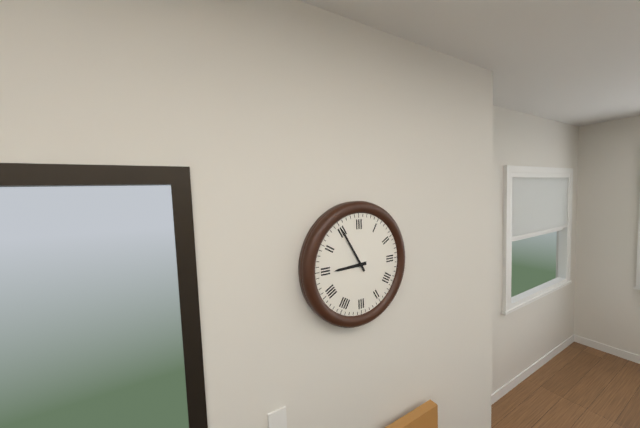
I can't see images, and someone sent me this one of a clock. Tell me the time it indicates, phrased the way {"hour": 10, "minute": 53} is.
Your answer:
{"hour": 8, "minute": 55}
